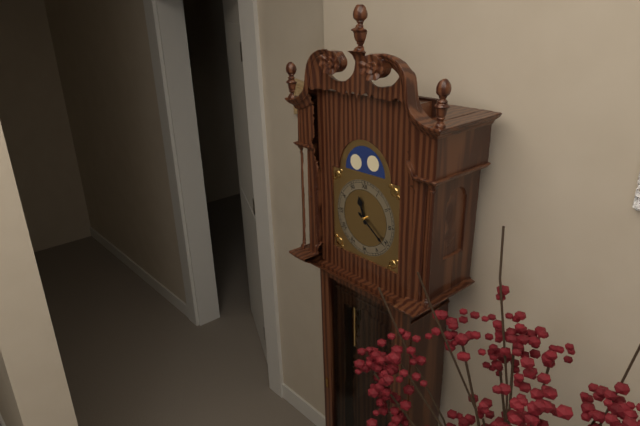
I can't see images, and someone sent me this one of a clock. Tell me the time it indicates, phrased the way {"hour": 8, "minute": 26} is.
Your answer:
{"hour": 11, "minute": 21}
